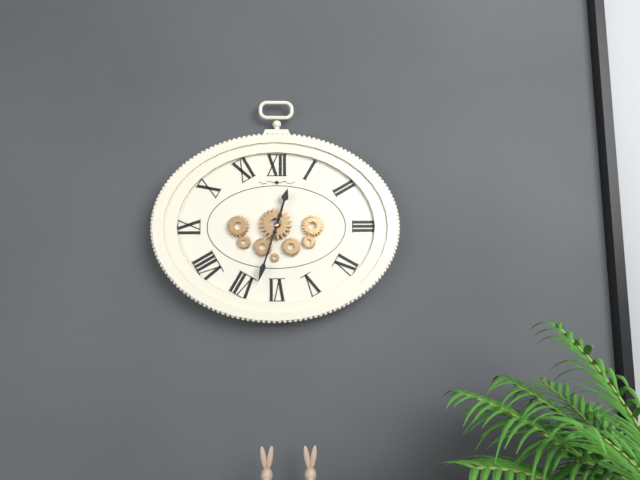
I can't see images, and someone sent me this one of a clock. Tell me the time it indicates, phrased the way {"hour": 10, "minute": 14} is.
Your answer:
{"hour": 12, "minute": 33}
